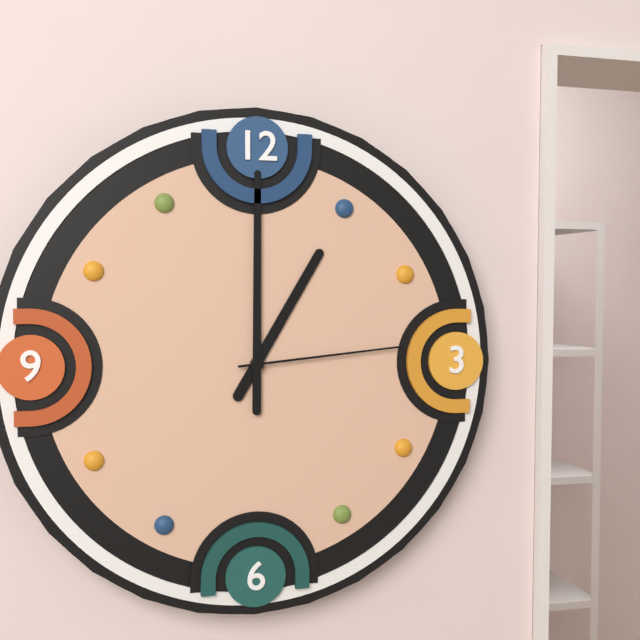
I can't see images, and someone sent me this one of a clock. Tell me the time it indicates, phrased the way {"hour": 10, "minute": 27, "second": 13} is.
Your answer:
{"hour": 1, "minute": 0, "second": 14}
